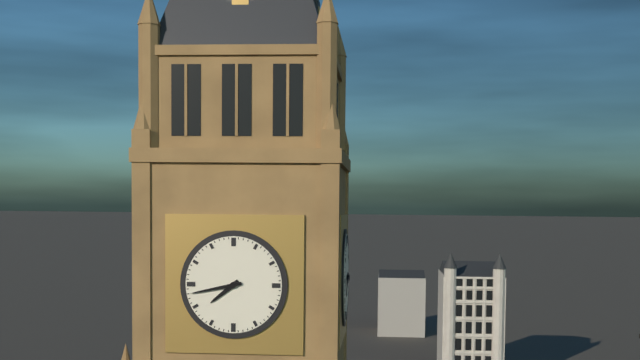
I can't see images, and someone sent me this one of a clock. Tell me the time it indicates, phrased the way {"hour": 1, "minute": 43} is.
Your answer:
{"hour": 7, "minute": 43}
